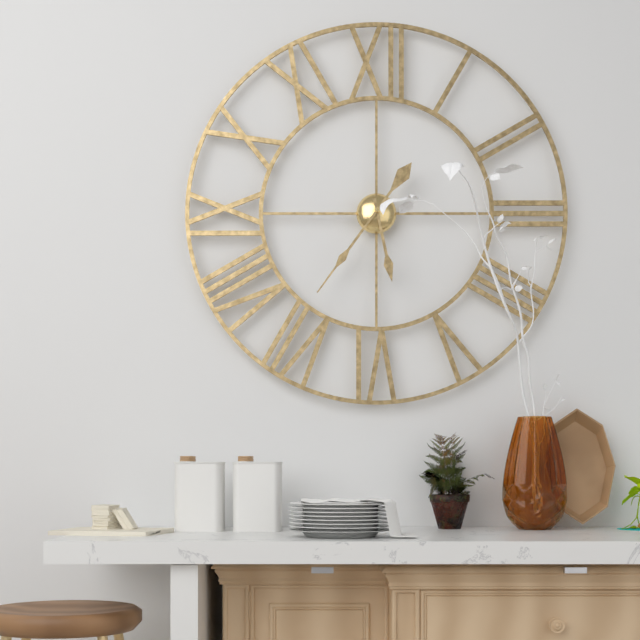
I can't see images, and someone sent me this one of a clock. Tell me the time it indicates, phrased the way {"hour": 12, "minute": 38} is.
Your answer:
{"hour": 5, "minute": 36}
